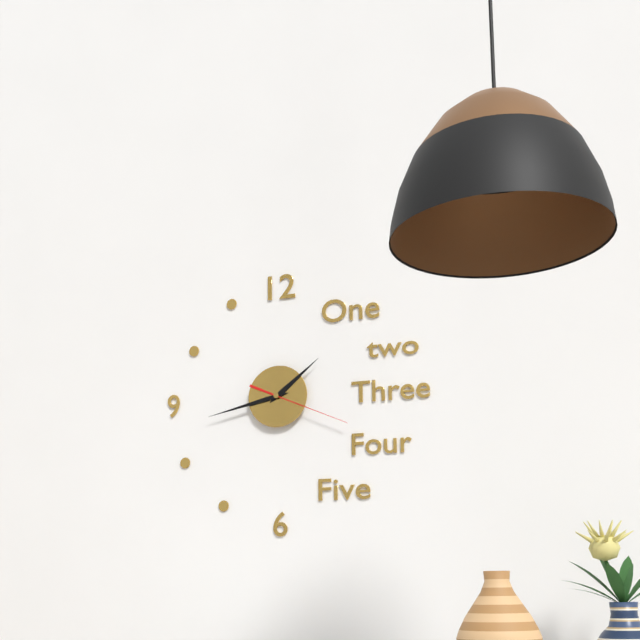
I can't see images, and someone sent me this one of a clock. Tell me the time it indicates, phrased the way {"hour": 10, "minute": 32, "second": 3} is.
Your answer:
{"hour": 1, "minute": 43, "second": 19}
